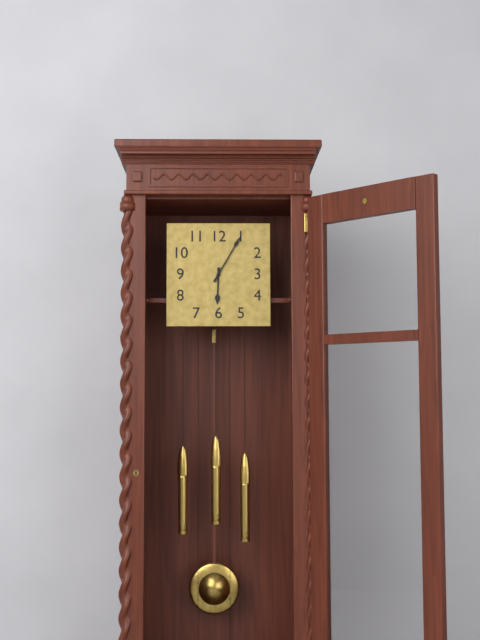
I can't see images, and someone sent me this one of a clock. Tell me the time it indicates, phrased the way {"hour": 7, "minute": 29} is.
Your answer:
{"hour": 6, "minute": 5}
